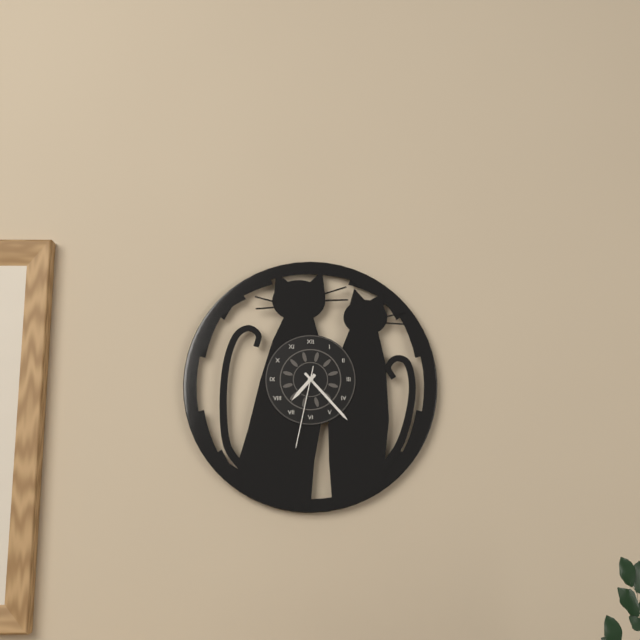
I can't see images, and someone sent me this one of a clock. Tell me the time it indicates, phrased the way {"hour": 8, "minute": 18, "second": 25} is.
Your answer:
{"hour": 7, "minute": 23, "second": 32}
